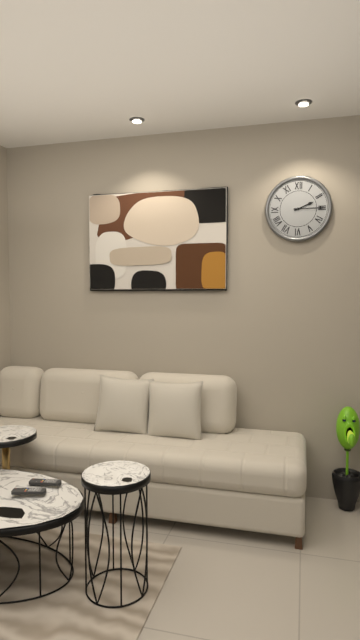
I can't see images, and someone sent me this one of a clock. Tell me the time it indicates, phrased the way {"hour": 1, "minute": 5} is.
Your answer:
{"hour": 2, "minute": 15}
